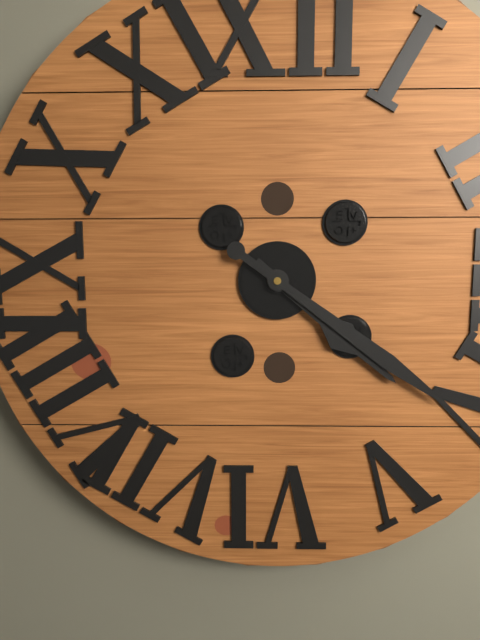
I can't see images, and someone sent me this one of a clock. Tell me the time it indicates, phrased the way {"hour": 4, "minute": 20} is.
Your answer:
{"hour": 4, "minute": 21}
